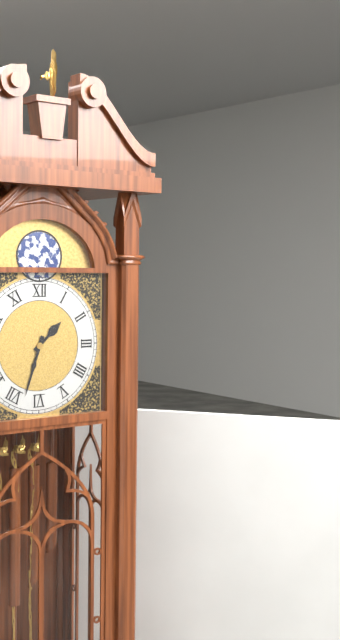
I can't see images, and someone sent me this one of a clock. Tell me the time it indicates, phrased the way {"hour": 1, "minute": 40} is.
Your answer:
{"hour": 1, "minute": 33}
